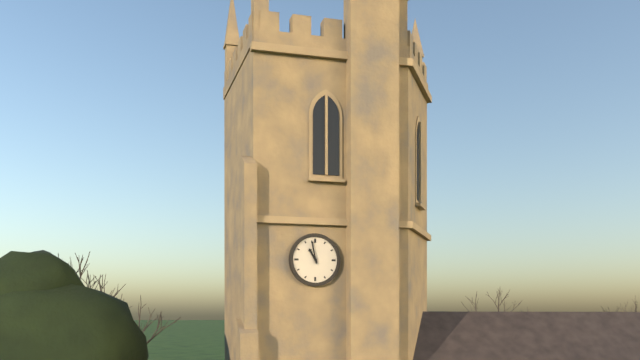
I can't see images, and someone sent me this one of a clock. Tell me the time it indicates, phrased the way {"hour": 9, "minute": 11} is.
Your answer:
{"hour": 10, "minute": 58}
